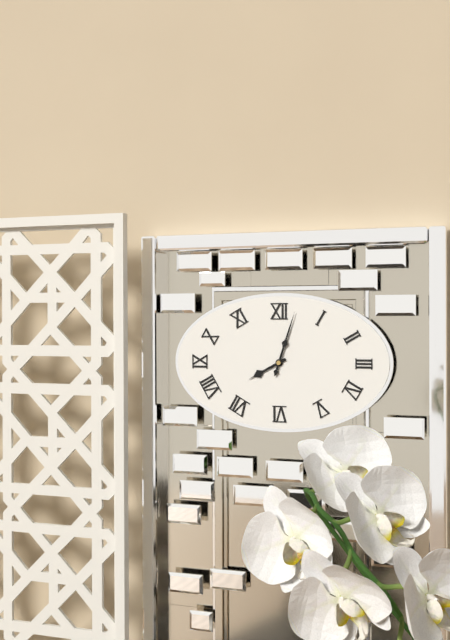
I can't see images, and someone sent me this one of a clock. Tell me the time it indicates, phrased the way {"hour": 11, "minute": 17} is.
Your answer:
{"hour": 8, "minute": 3}
